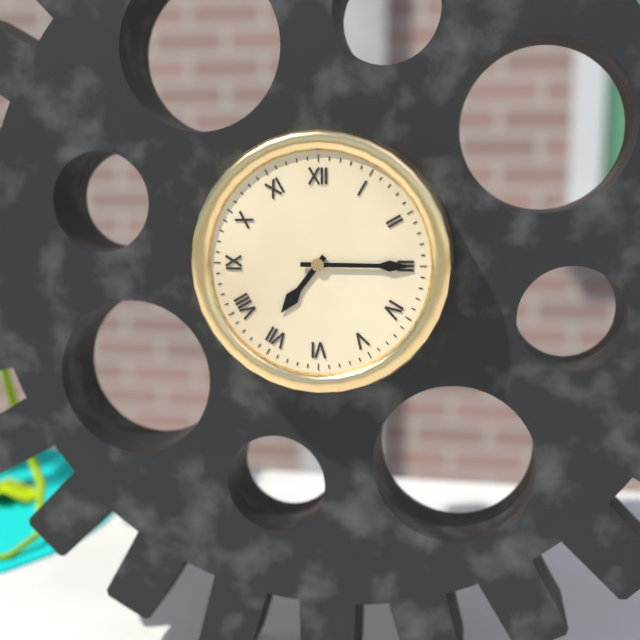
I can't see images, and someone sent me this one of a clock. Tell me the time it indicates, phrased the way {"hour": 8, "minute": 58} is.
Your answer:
{"hour": 7, "minute": 15}
